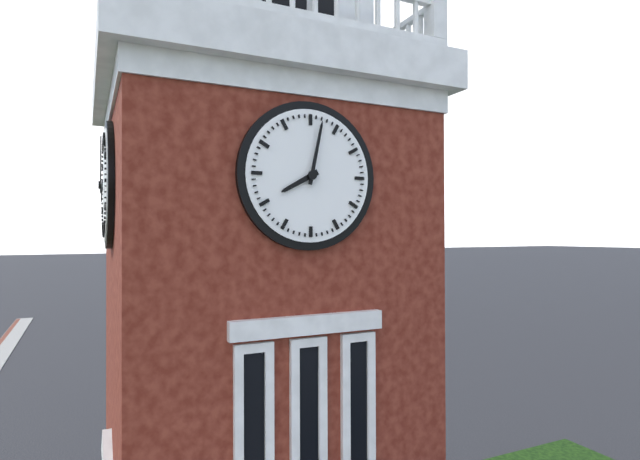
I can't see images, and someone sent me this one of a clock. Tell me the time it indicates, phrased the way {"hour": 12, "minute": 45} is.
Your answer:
{"hour": 8, "minute": 2}
